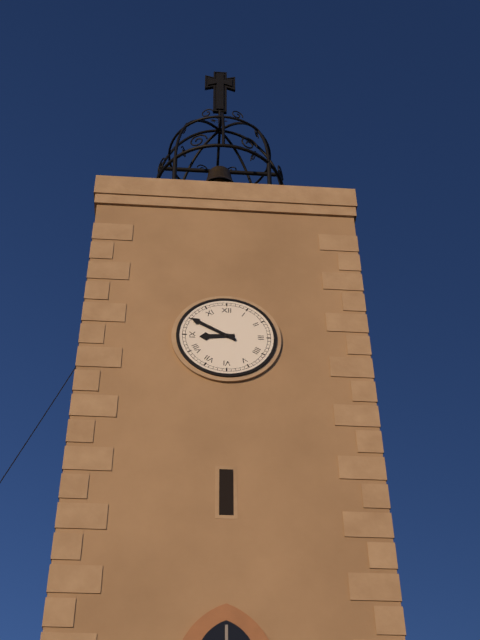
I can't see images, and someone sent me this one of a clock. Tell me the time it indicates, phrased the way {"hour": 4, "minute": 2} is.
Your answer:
{"hour": 8, "minute": 50}
